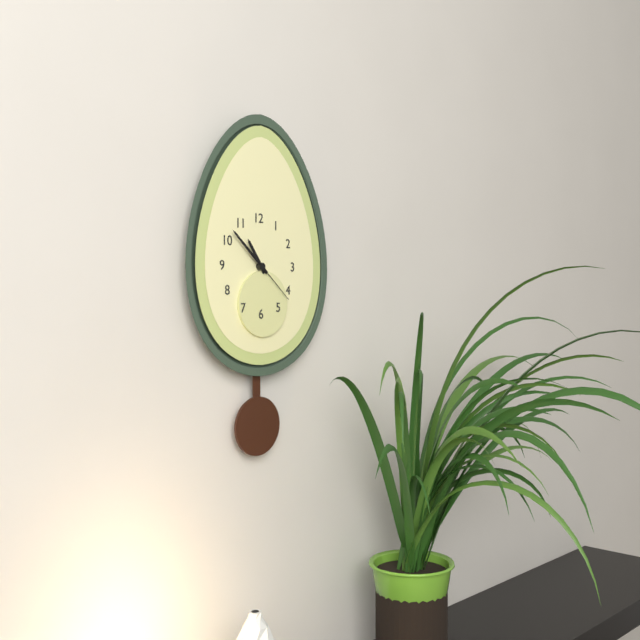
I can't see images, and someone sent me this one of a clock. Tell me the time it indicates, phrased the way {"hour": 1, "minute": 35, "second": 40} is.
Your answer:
{"hour": 10, "minute": 52, "second": 22}
